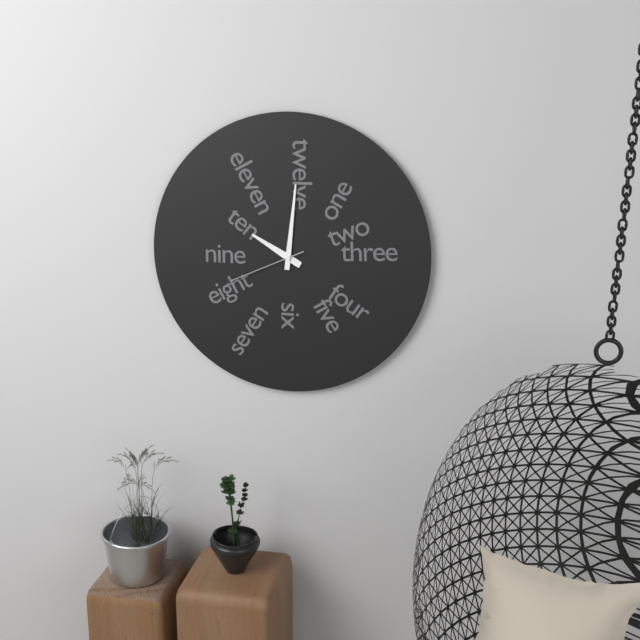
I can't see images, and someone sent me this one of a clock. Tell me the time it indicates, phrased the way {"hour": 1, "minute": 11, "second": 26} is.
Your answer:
{"hour": 10, "minute": 1, "second": 41}
